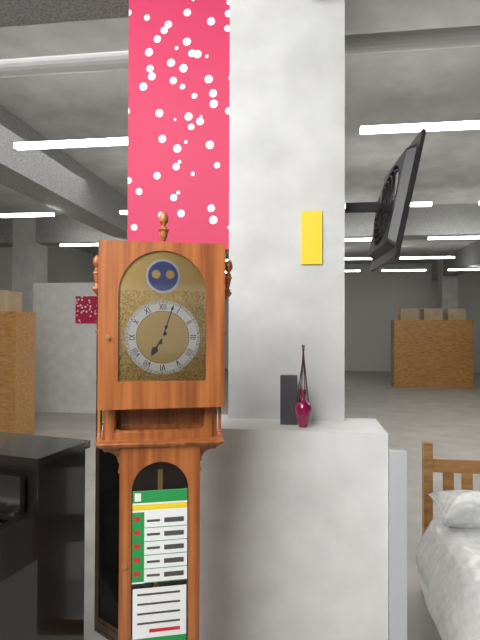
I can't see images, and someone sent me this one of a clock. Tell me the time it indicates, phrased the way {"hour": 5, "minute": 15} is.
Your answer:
{"hour": 7, "minute": 3}
